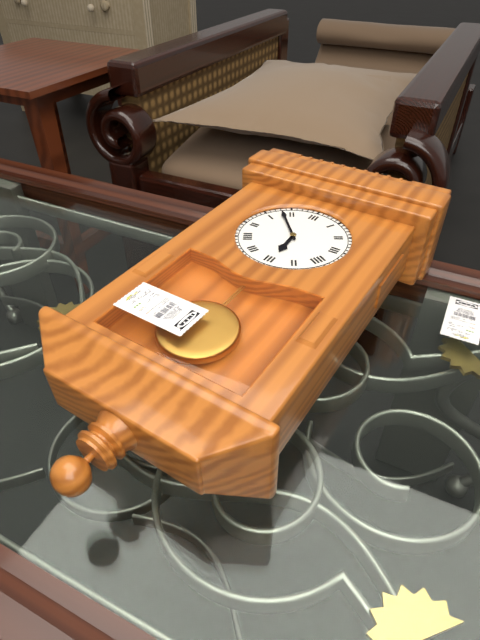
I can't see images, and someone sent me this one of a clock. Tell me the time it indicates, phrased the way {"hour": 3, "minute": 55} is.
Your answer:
{"hour": 5, "minute": 53}
